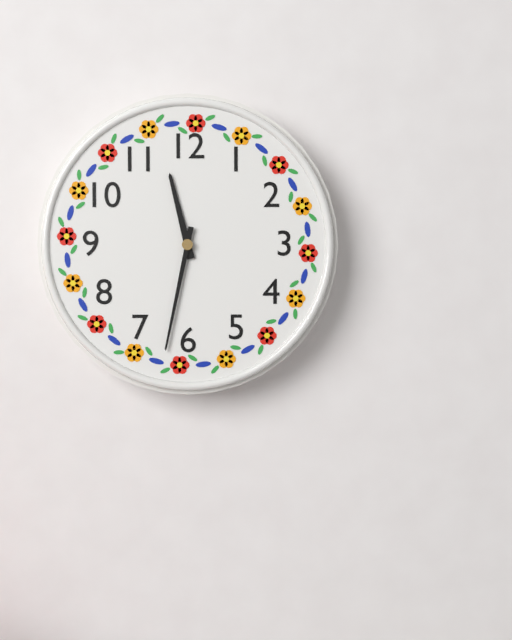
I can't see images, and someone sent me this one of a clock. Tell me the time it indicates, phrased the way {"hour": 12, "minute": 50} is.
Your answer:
{"hour": 11, "minute": 32}
